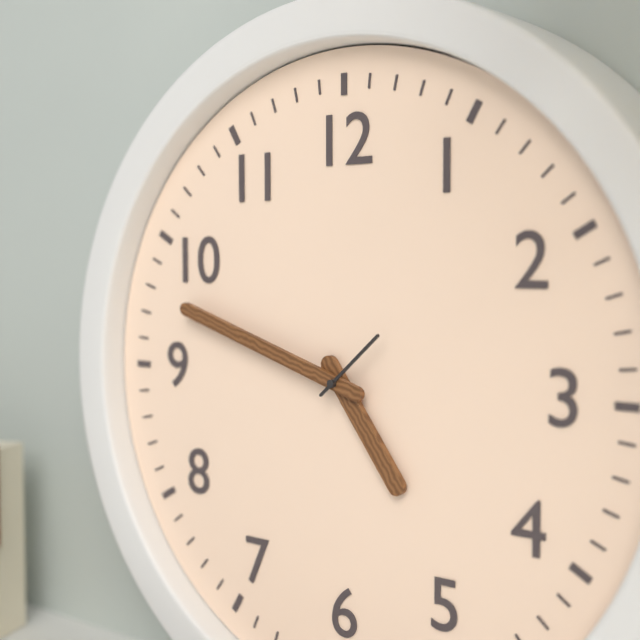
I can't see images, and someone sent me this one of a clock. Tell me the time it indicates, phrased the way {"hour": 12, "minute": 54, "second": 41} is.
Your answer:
{"hour": 4, "minute": 48, "second": 8}
